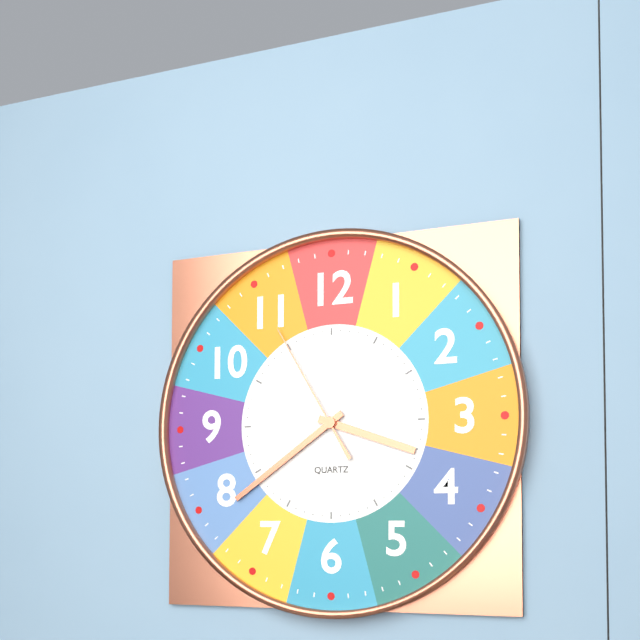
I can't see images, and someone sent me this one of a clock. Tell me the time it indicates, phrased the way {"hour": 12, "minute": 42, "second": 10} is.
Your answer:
{"hour": 3, "minute": 39, "second": 55}
